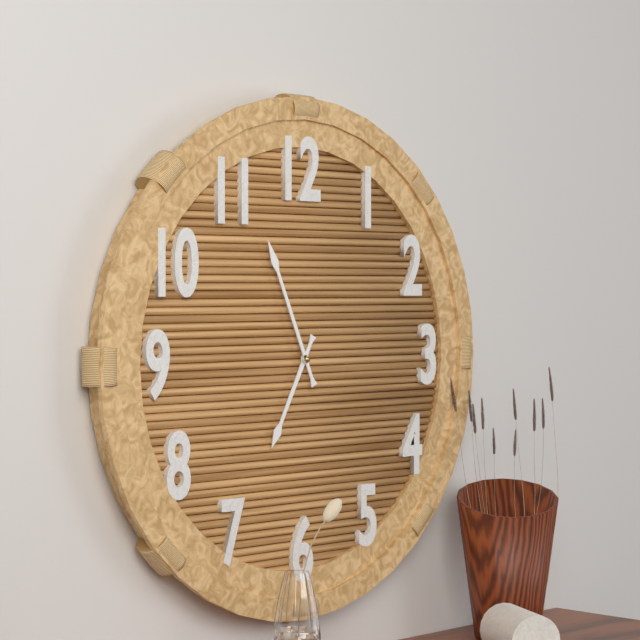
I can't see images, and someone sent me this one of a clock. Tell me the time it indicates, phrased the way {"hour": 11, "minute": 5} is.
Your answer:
{"hour": 6, "minute": 56}
